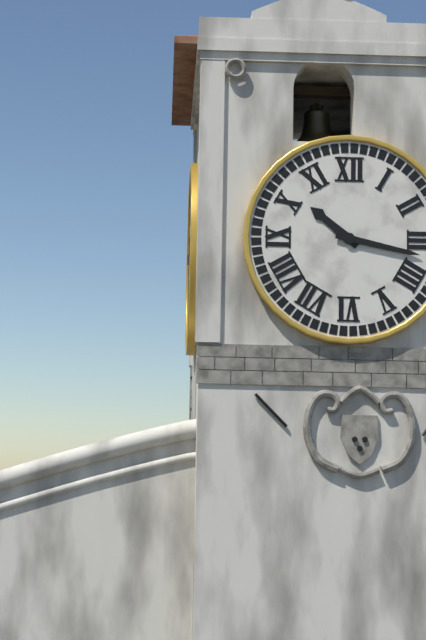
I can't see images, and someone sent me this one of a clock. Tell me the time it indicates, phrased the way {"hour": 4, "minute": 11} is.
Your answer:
{"hour": 10, "minute": 17}
